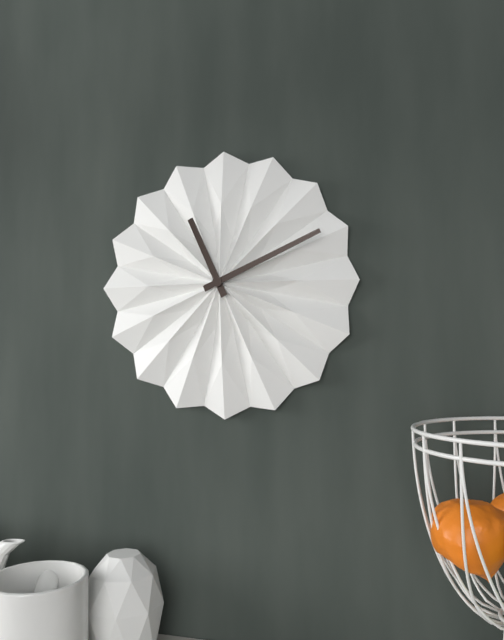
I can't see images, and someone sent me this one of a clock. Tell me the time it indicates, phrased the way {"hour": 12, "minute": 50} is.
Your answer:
{"hour": 11, "minute": 11}
